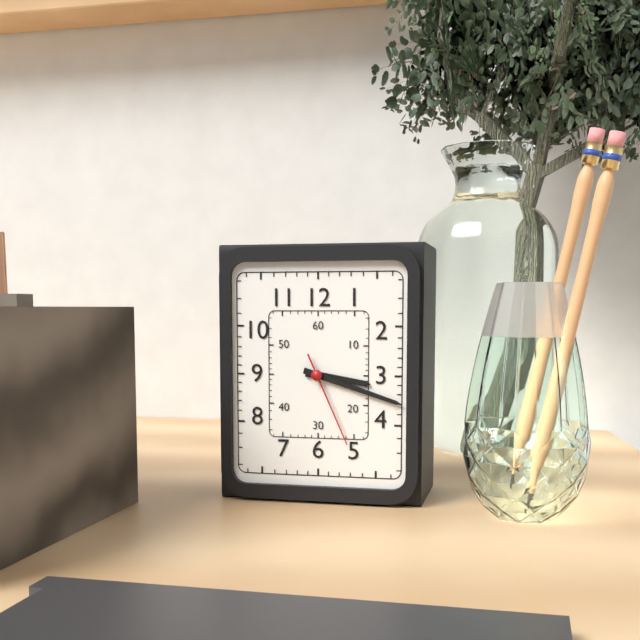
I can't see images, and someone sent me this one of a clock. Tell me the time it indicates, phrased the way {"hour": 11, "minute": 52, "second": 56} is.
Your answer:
{"hour": 3, "minute": 18, "second": 26}
